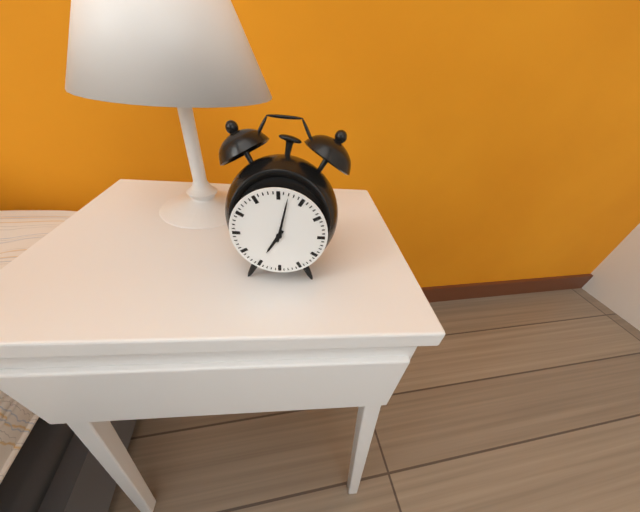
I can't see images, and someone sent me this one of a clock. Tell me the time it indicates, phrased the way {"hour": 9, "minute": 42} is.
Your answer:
{"hour": 7, "minute": 2}
